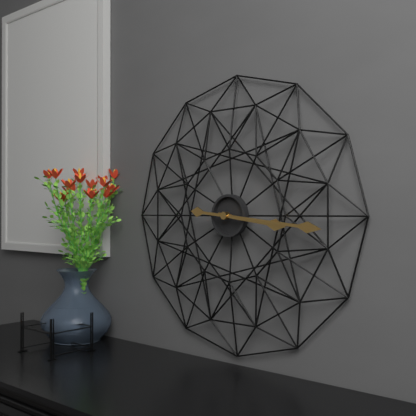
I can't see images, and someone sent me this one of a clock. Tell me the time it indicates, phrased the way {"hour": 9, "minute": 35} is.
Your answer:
{"hour": 3, "minute": 16}
